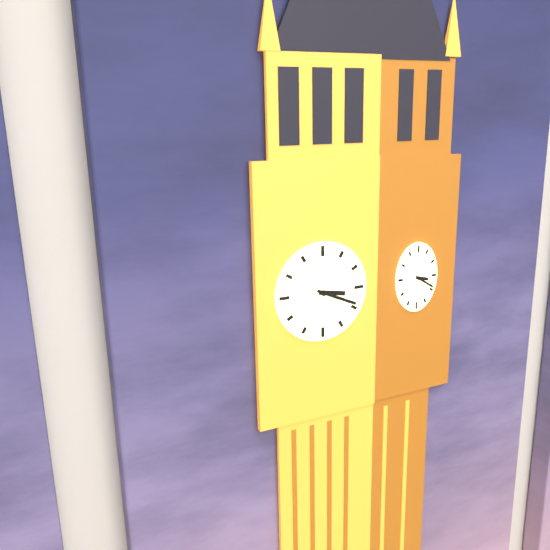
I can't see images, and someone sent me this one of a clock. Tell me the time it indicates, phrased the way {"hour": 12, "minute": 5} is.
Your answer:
{"hour": 3, "minute": 19}
